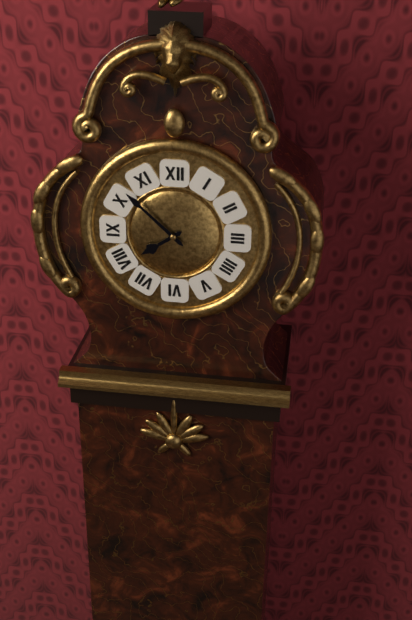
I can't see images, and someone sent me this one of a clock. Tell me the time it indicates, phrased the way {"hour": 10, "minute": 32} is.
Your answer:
{"hour": 7, "minute": 52}
